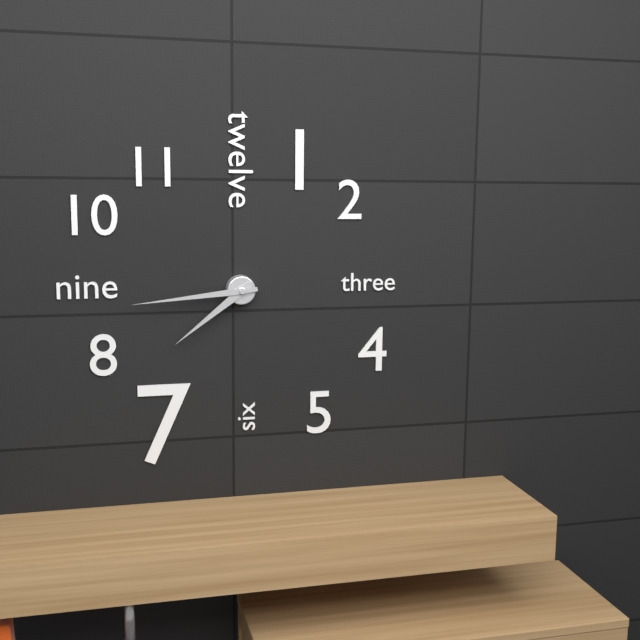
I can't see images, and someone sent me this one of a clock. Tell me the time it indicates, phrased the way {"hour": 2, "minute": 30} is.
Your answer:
{"hour": 7, "minute": 44}
